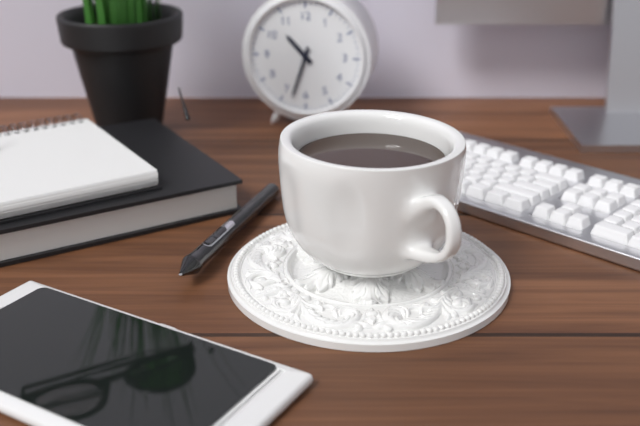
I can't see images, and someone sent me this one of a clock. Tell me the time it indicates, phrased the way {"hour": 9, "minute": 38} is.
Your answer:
{"hour": 10, "minute": 33}
